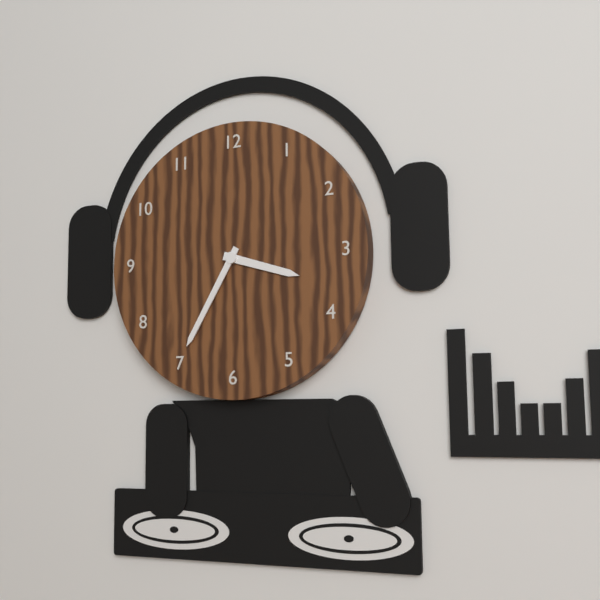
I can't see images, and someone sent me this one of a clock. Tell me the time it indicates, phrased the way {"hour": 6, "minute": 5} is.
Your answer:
{"hour": 3, "minute": 35}
